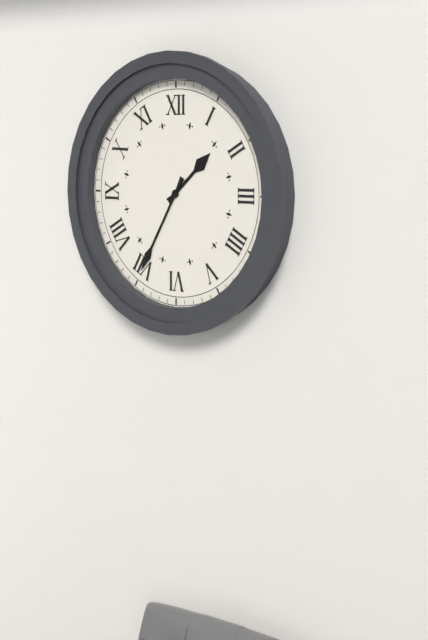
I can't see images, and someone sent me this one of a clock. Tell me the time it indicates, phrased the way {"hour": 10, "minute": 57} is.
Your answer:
{"hour": 1, "minute": 35}
